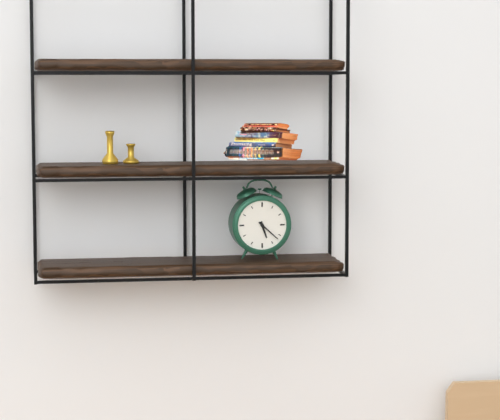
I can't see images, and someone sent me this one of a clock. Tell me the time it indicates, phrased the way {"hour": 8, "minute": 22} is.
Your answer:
{"hour": 5, "minute": 22}
